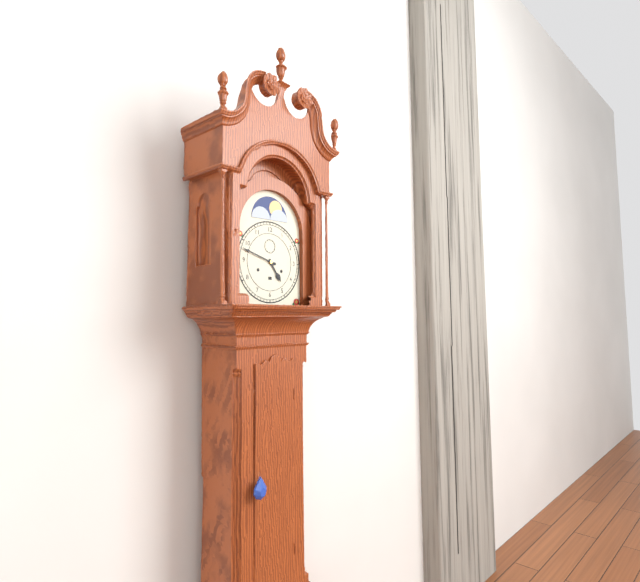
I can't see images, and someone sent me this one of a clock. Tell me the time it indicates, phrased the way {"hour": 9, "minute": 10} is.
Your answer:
{"hour": 4, "minute": 48}
